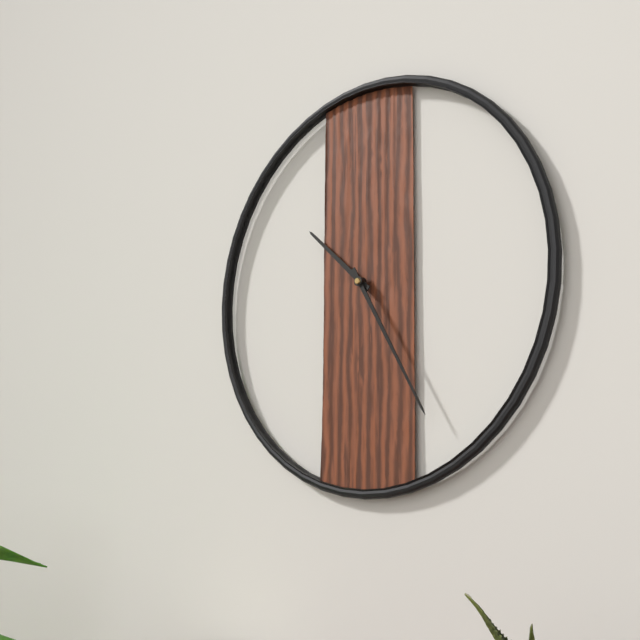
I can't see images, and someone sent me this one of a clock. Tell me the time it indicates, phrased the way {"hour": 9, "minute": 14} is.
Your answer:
{"hour": 10, "minute": 25}
